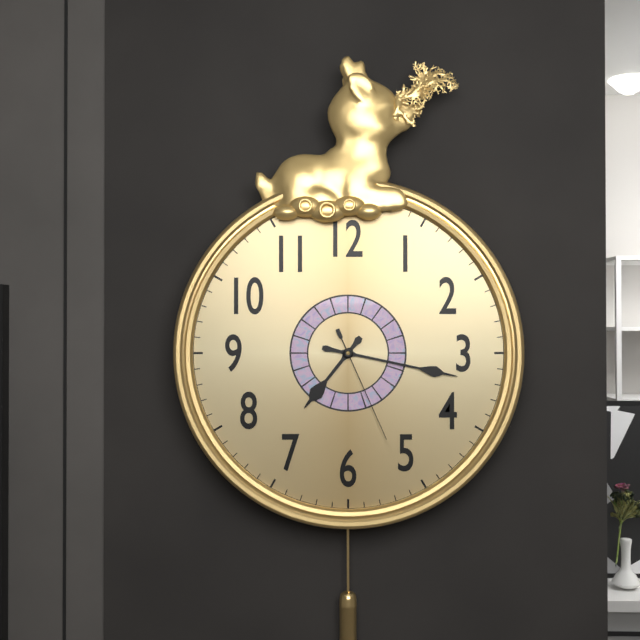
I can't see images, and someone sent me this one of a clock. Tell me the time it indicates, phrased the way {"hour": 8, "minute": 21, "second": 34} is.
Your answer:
{"hour": 7, "minute": 17, "second": 26}
